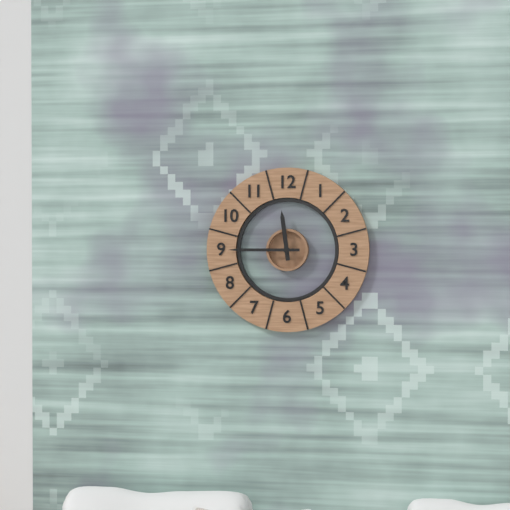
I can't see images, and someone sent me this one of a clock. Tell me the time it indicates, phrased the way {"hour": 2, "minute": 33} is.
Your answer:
{"hour": 11, "minute": 45}
